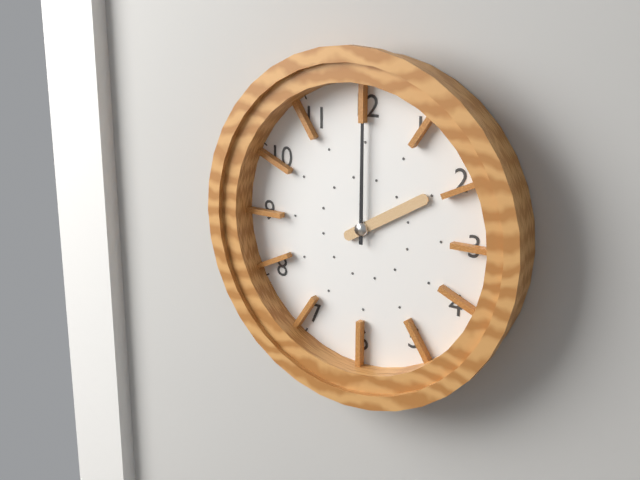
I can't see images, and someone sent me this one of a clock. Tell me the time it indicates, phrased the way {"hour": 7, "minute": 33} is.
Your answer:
{"hour": 2, "minute": 0}
